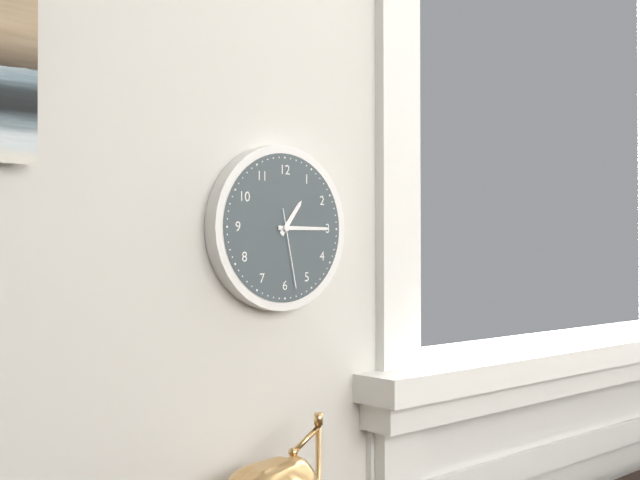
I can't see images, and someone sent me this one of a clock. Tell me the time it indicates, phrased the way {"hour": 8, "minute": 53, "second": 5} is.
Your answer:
{"hour": 1, "minute": 15, "second": 28}
